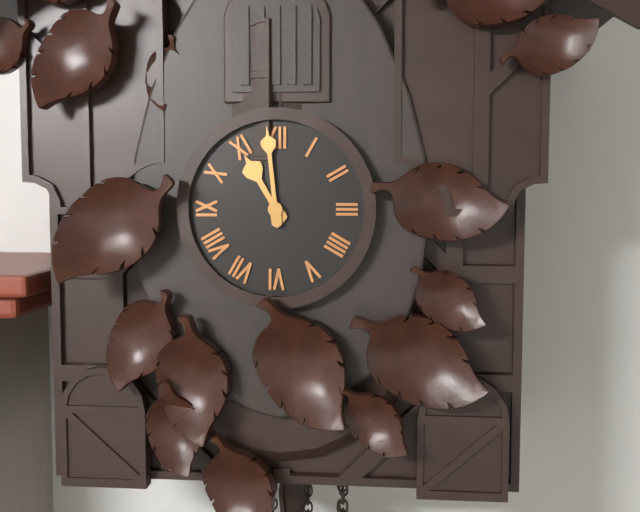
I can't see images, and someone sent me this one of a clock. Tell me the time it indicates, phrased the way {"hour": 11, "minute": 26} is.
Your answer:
{"hour": 10, "minute": 59}
